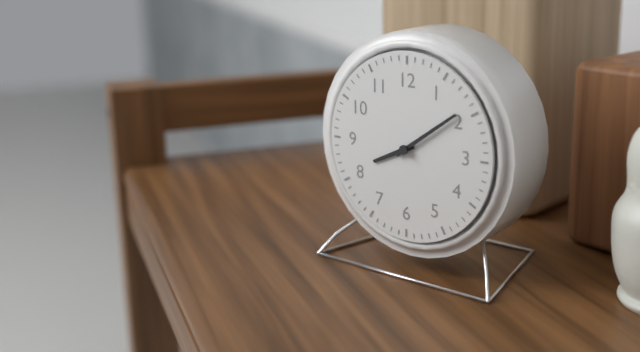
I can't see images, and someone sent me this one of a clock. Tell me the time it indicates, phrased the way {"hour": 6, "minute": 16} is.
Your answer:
{"hour": 8, "minute": 9}
